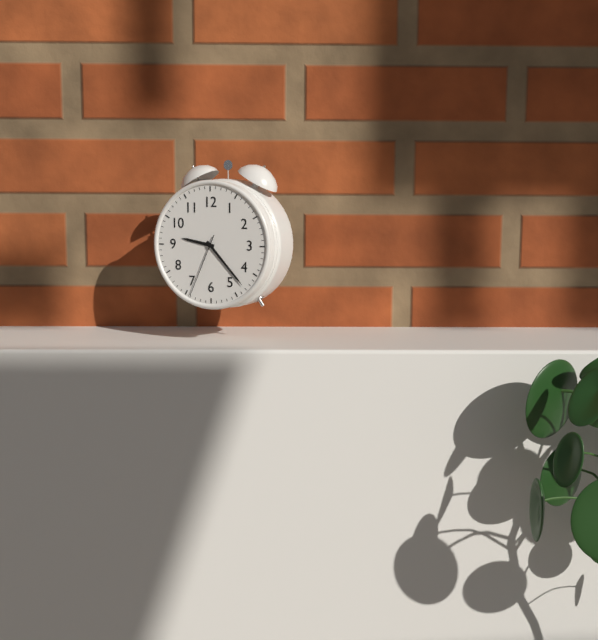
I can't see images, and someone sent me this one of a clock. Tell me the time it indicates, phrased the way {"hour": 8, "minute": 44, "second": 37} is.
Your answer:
{"hour": 9, "minute": 23, "second": 34}
